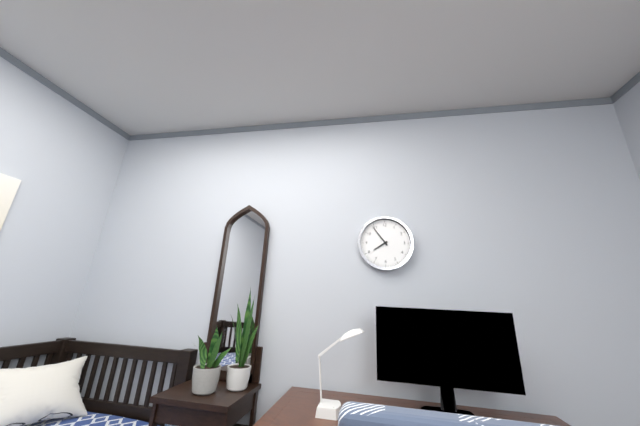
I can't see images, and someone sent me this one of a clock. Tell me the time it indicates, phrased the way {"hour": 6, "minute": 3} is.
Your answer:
{"hour": 7, "minute": 54}
